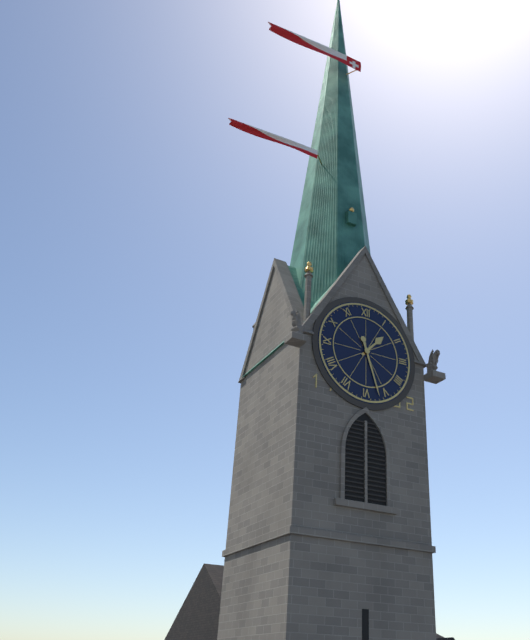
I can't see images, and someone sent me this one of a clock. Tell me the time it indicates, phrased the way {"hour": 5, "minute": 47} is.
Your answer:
{"hour": 1, "minute": 27}
